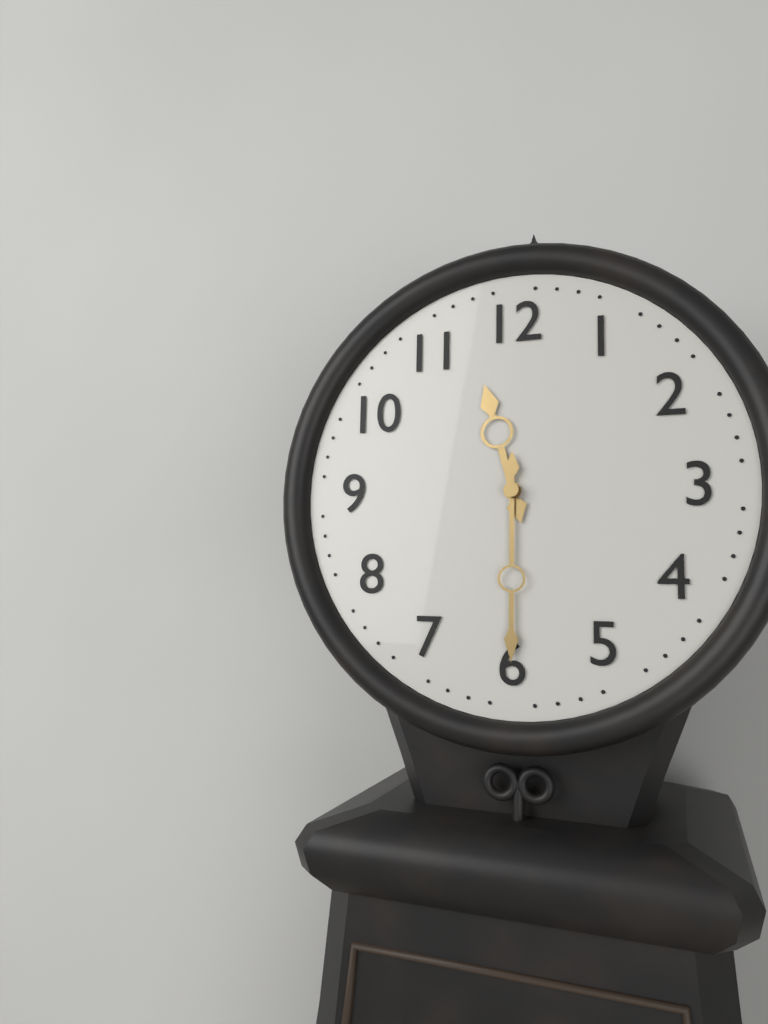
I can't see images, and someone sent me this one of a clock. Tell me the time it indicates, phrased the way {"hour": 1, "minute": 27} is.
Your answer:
{"hour": 11, "minute": 30}
